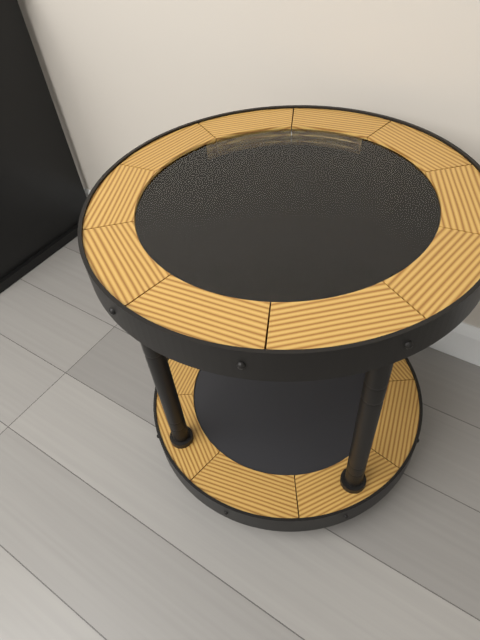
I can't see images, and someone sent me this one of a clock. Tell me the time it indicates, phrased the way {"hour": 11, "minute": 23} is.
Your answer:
{"hour": 9, "minute": 57}
